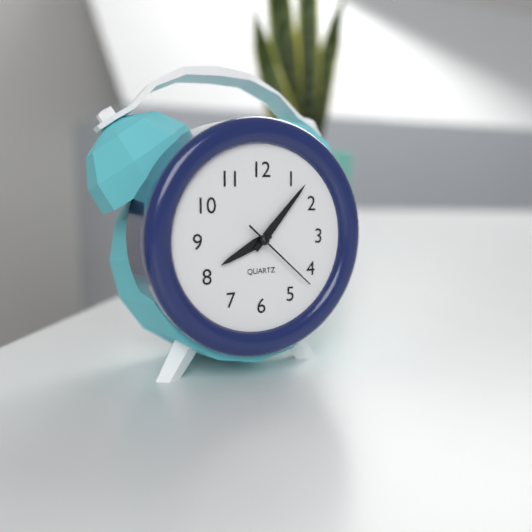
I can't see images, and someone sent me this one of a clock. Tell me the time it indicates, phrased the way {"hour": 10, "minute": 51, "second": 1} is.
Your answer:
{"hour": 8, "minute": 7, "second": 22}
